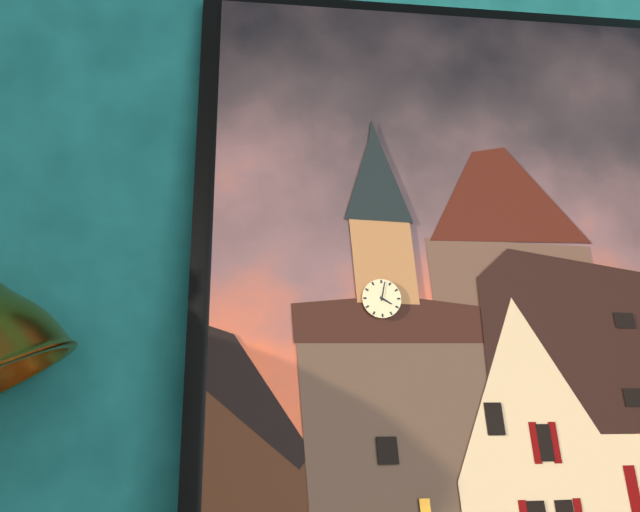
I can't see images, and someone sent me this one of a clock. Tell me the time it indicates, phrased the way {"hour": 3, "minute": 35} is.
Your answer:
{"hour": 4, "minute": 2}
